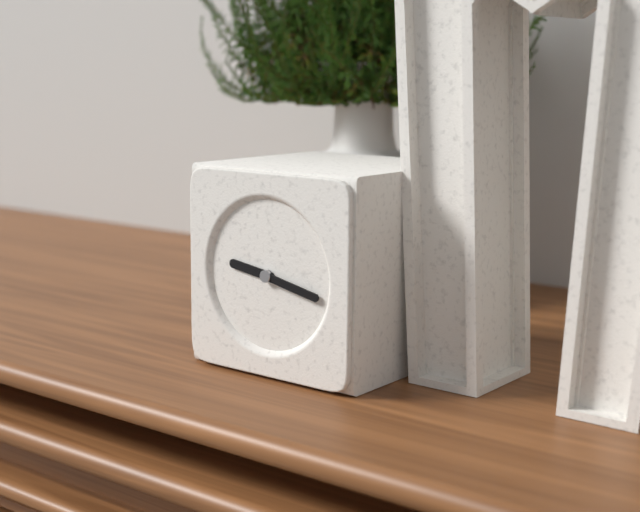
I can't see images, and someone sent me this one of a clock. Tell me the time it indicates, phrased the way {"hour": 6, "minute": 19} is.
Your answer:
{"hour": 9, "minute": 17}
